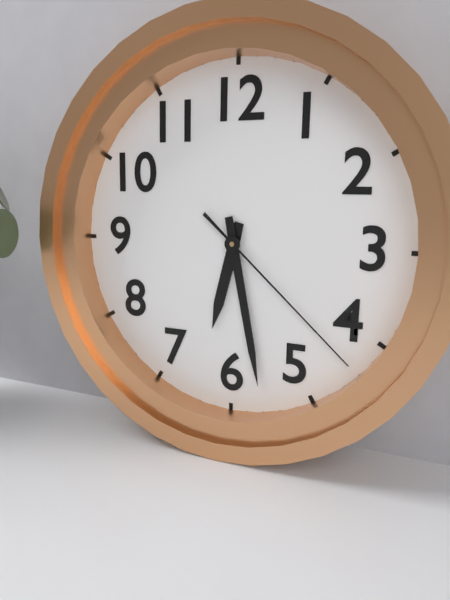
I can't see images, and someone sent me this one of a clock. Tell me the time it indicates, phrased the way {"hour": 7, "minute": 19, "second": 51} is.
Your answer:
{"hour": 6, "minute": 28, "second": 22}
